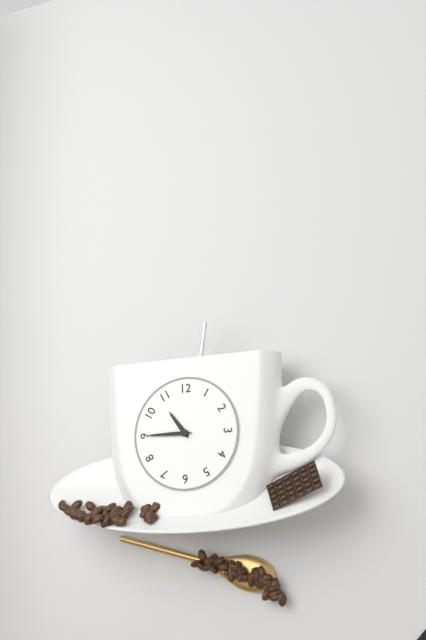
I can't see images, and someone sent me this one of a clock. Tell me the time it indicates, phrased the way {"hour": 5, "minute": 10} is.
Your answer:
{"hour": 10, "minute": 45}
